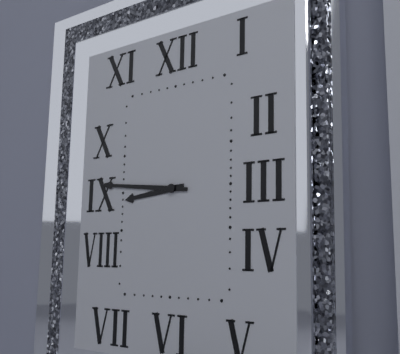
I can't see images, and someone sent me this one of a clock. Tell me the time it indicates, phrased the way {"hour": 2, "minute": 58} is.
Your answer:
{"hour": 8, "minute": 46}
